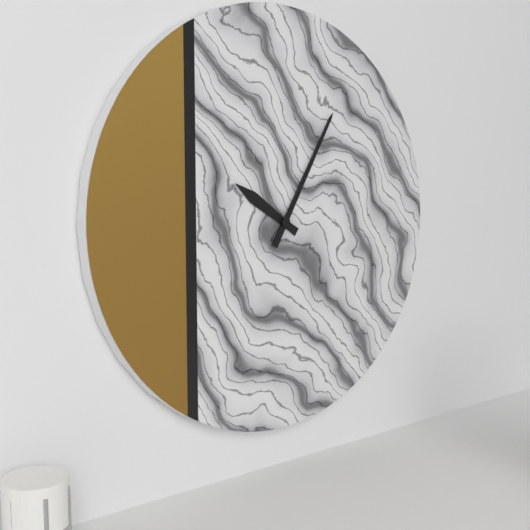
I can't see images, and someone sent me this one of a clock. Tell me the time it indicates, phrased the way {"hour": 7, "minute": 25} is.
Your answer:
{"hour": 10, "minute": 5}
